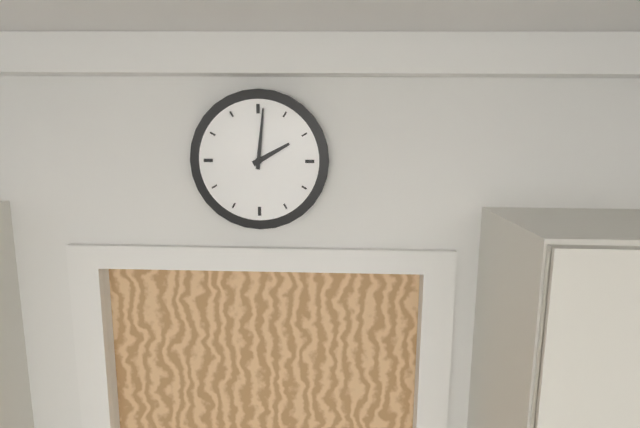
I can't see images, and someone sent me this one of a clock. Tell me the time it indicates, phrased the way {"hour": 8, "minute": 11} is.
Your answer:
{"hour": 2, "minute": 1}
